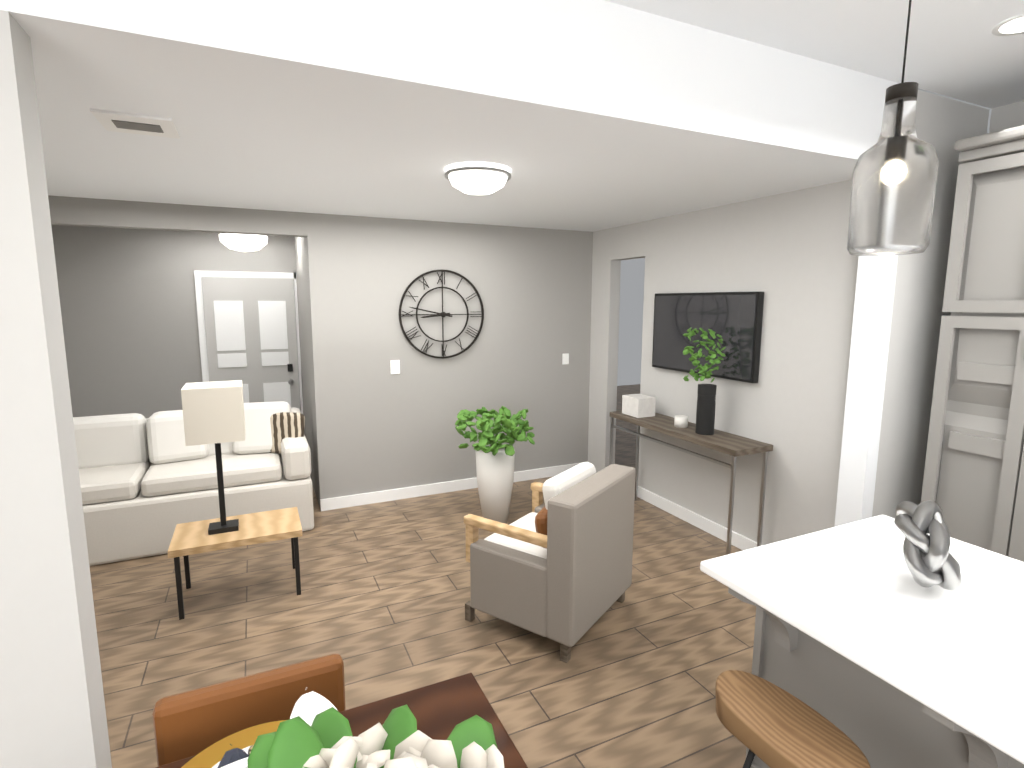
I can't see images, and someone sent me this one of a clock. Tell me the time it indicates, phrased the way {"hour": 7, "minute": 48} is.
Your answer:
{"hour": 8, "minute": 47}
